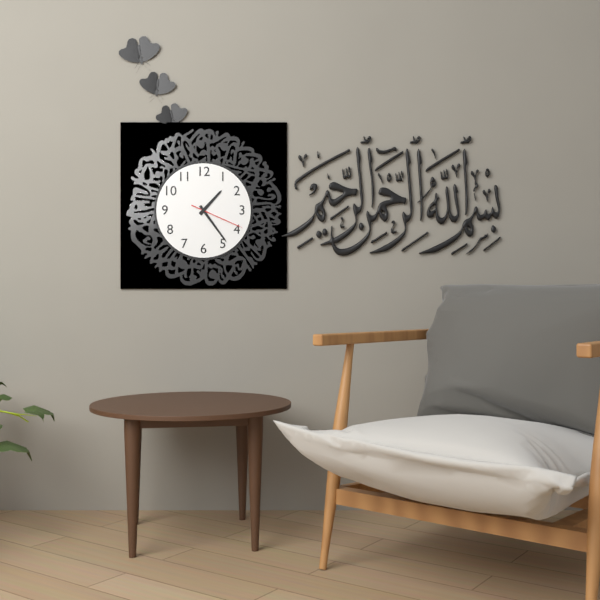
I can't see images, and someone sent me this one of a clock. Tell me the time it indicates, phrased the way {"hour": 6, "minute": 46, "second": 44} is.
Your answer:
{"hour": 1, "minute": 24, "second": 19}
